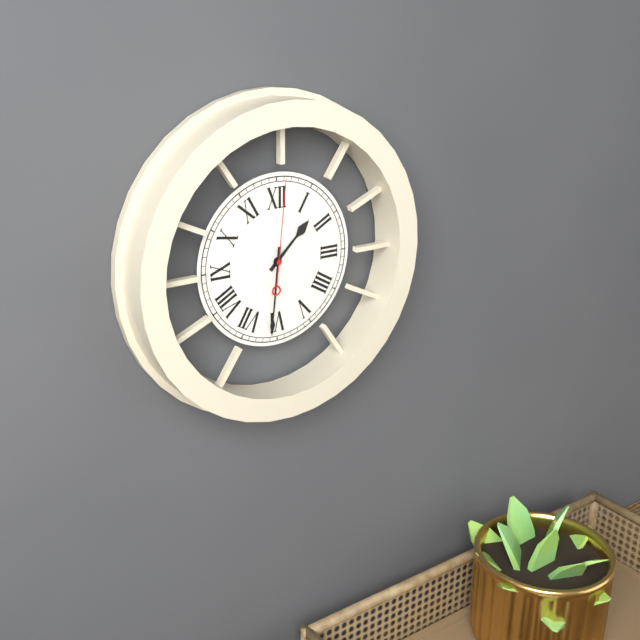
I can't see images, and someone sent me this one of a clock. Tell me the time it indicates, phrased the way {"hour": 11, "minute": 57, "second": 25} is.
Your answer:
{"hour": 1, "minute": 31, "second": 1}
